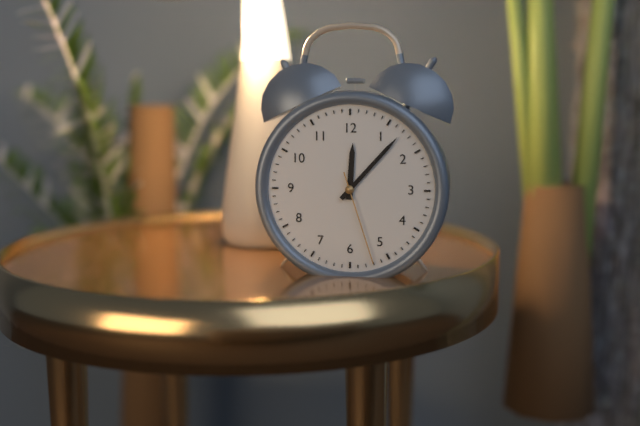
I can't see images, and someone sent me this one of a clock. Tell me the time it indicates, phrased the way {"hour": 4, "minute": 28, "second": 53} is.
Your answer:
{"hour": 12, "minute": 7, "second": 27}
